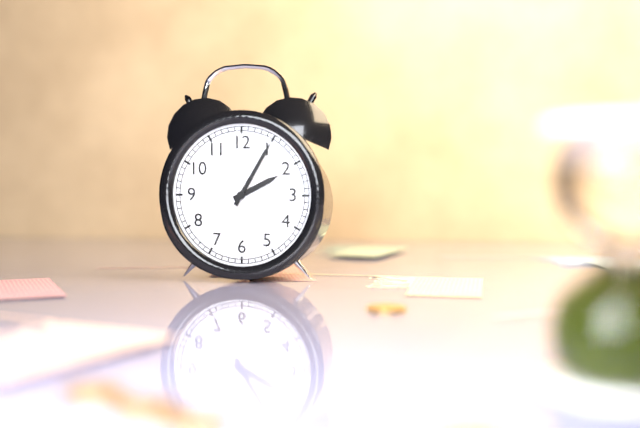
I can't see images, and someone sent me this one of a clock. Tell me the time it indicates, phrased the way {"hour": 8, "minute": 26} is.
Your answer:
{"hour": 2, "minute": 5}
